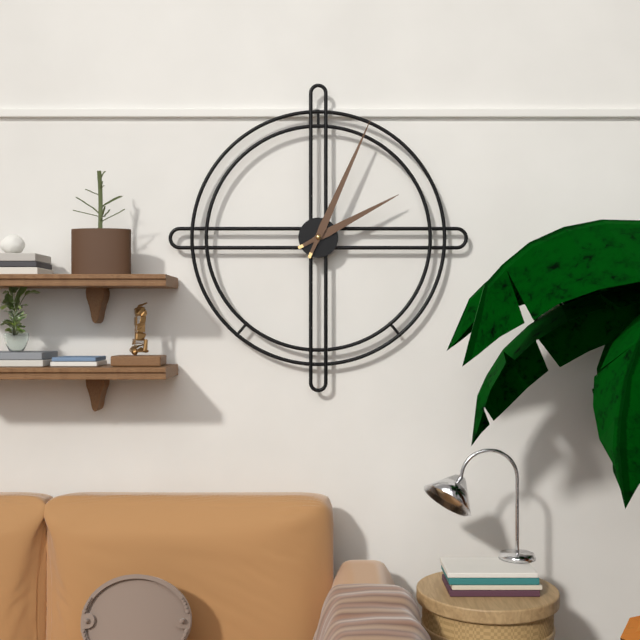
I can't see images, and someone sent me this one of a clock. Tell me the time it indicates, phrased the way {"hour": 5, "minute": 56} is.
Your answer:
{"hour": 2, "minute": 4}
